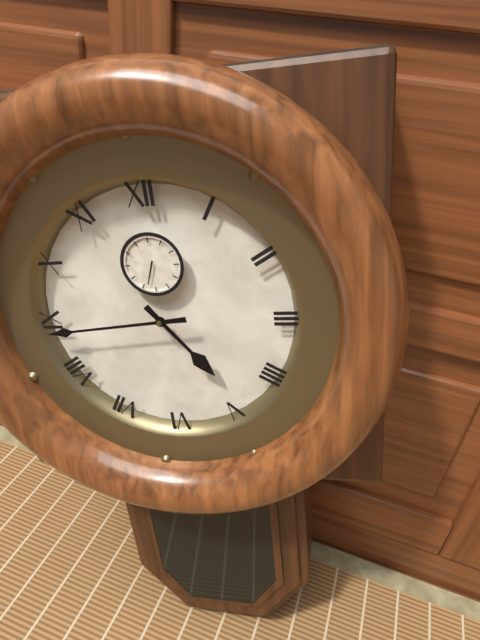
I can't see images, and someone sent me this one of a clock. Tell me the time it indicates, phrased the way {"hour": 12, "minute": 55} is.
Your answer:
{"hour": 4, "minute": 44}
